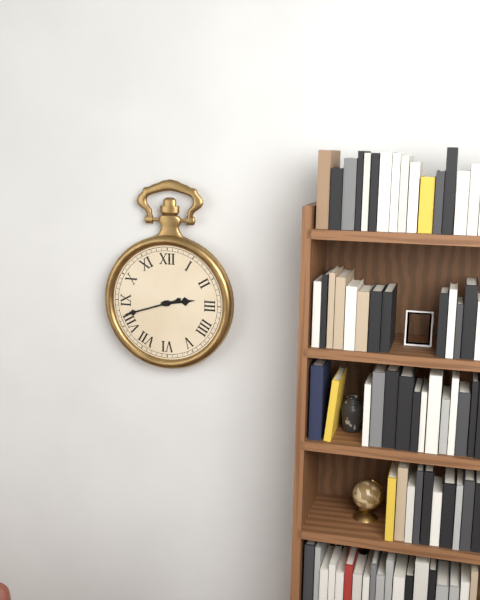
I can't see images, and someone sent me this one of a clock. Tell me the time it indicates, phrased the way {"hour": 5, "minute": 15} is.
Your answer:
{"hour": 2, "minute": 42}
